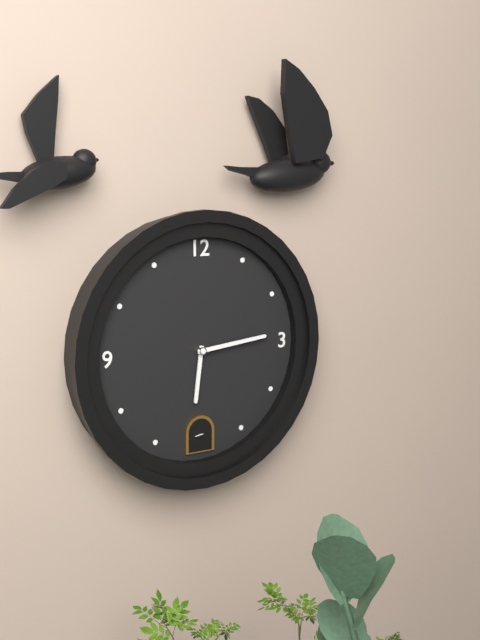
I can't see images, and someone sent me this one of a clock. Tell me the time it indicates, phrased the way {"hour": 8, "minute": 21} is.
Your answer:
{"hour": 6, "minute": 14}
